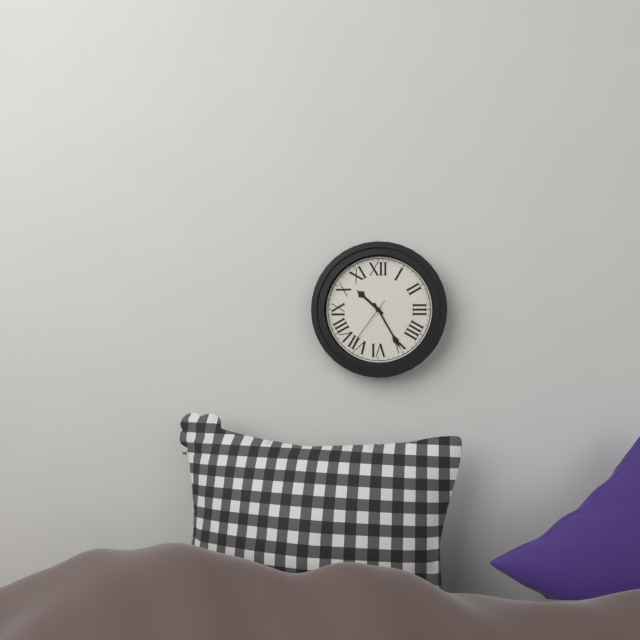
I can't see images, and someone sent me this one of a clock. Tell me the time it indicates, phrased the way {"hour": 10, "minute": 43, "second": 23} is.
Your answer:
{"hour": 10, "minute": 25, "second": 36}
